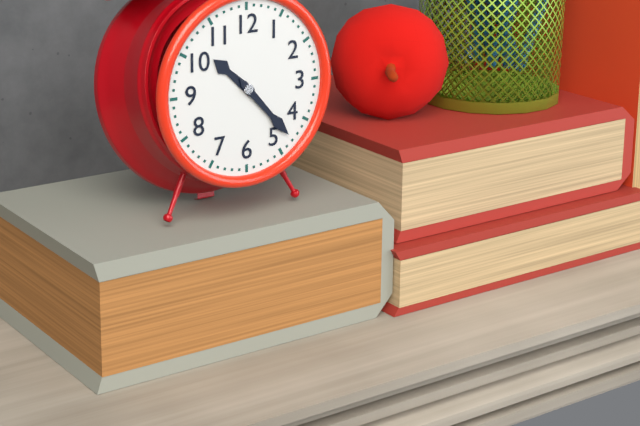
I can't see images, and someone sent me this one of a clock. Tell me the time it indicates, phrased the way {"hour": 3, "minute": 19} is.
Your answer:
{"hour": 10, "minute": 23}
